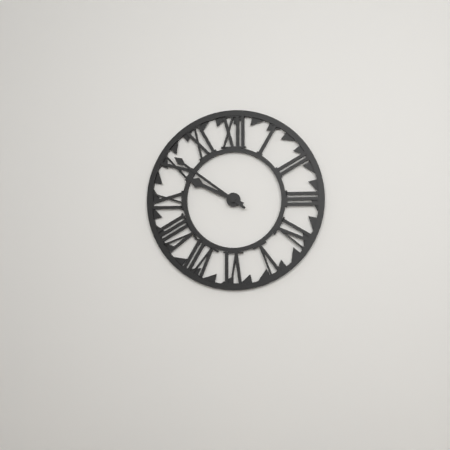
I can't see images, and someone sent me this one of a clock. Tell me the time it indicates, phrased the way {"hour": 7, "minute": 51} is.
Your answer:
{"hour": 9, "minute": 51}
